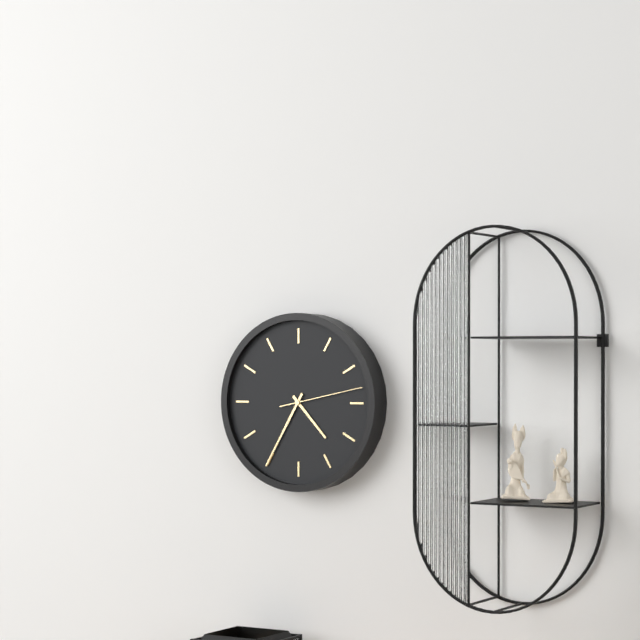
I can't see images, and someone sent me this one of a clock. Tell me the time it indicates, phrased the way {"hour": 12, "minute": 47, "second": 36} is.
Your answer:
{"hour": 4, "minute": 35, "second": 13}
